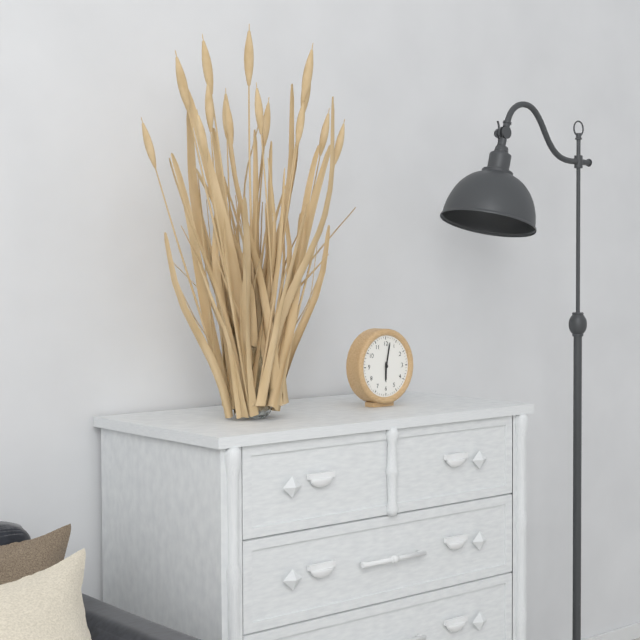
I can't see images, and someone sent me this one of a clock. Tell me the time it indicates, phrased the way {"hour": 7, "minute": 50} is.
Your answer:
{"hour": 6, "minute": 2}
